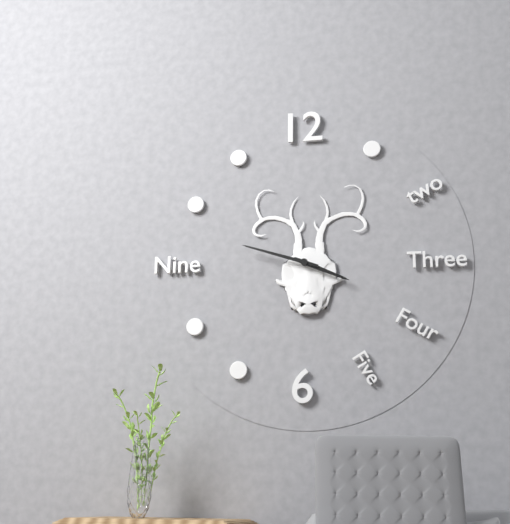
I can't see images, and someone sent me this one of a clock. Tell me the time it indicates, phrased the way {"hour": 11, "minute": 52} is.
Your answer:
{"hour": 3, "minute": 48}
